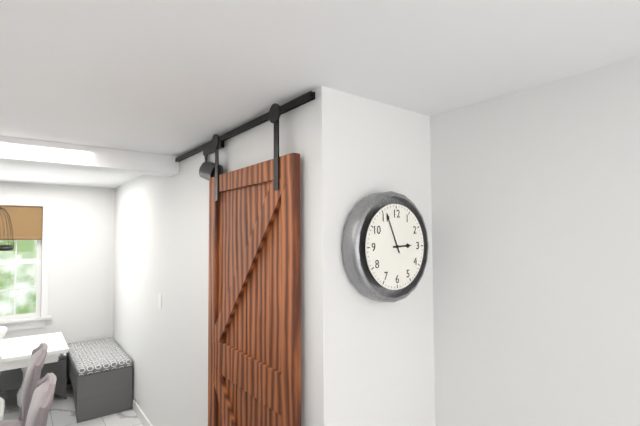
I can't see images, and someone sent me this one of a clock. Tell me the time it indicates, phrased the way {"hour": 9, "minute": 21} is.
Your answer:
{"hour": 2, "minute": 56}
